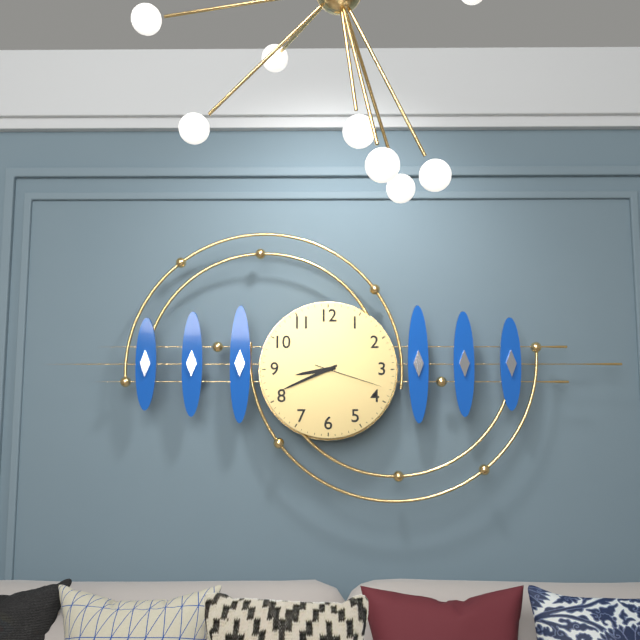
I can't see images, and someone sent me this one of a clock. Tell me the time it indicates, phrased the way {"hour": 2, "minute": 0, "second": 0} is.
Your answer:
{"hour": 8, "minute": 41, "second": 18}
